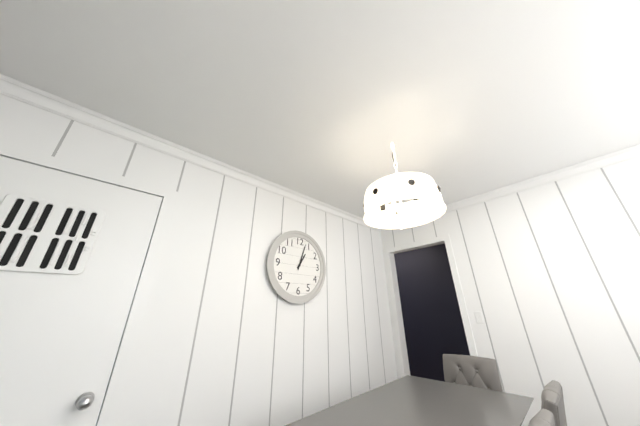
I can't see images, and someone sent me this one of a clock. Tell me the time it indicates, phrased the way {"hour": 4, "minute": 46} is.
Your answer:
{"hour": 1, "minute": 3}
